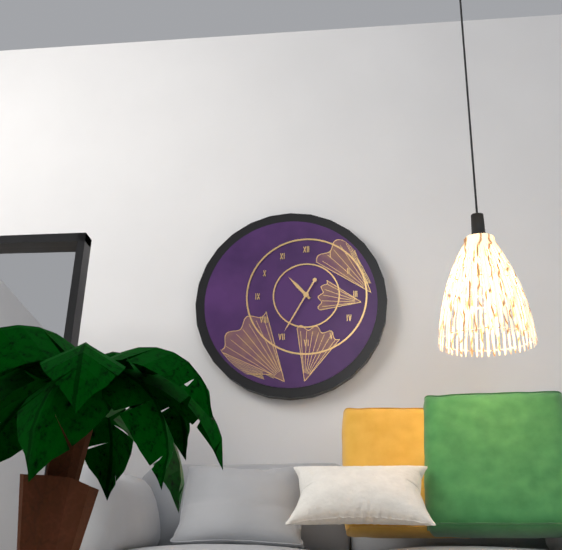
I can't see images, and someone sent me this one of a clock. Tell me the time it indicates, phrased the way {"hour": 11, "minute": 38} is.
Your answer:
{"hour": 10, "minute": 35}
